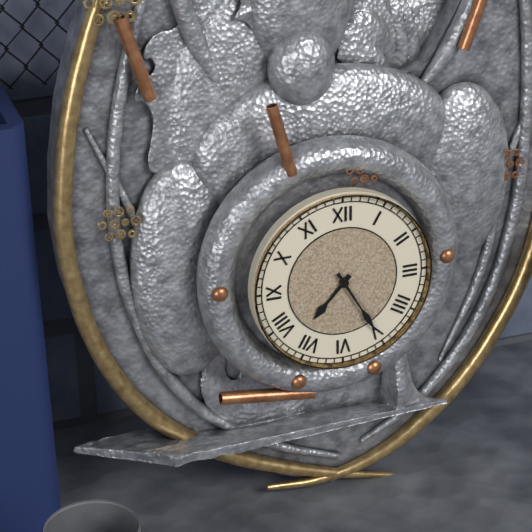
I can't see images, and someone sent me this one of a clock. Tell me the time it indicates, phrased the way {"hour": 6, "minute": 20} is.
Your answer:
{"hour": 7, "minute": 25}
